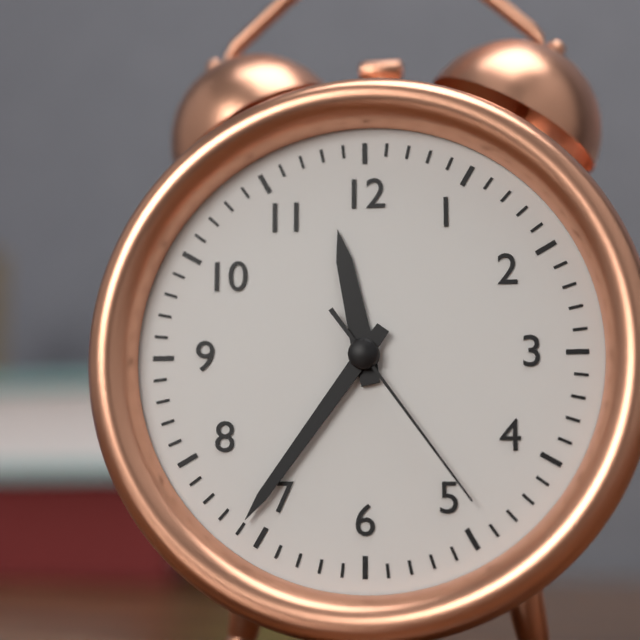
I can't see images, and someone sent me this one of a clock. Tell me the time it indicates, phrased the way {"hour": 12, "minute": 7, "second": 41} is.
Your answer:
{"hour": 11, "minute": 36, "second": 24}
